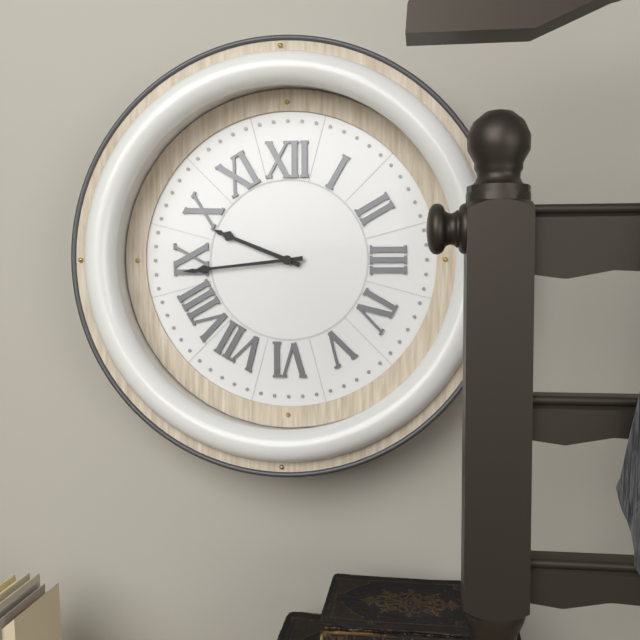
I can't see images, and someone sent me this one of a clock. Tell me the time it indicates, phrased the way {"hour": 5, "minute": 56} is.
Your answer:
{"hour": 9, "minute": 44}
